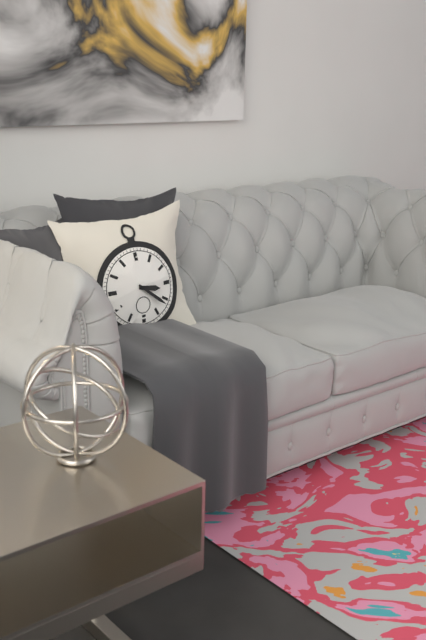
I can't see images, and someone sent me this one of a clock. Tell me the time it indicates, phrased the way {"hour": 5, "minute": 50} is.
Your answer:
{"hour": 3, "minute": 22}
